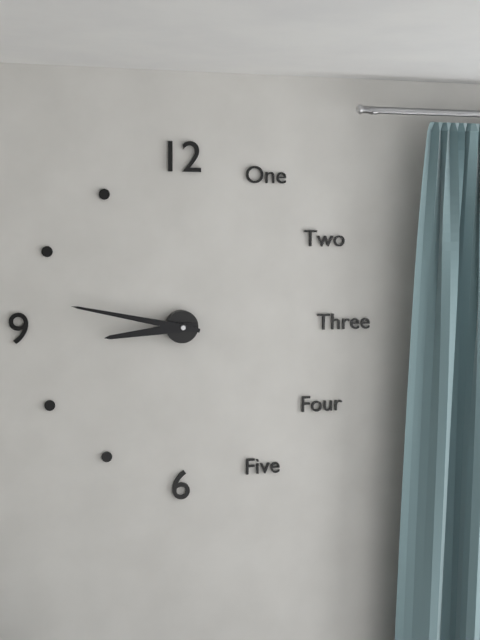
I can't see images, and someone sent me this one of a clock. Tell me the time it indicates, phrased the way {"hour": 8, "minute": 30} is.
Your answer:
{"hour": 8, "minute": 47}
